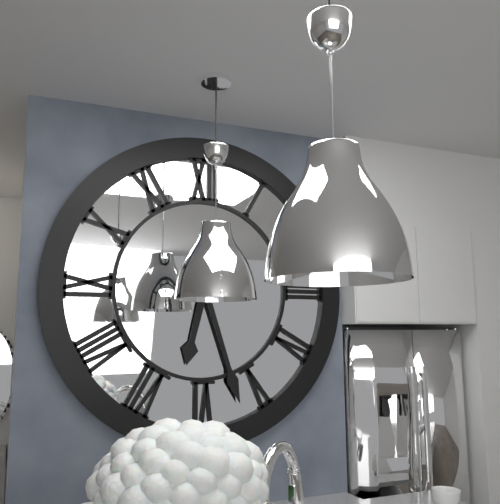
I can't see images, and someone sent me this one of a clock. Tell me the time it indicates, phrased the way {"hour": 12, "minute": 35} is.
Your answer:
{"hour": 6, "minute": 27}
